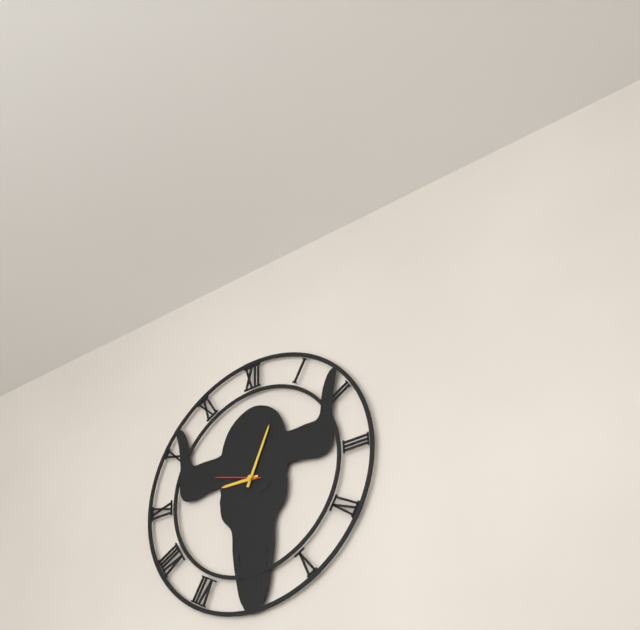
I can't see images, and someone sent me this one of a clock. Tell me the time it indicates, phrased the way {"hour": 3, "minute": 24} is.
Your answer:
{"hour": 9, "minute": 4}
